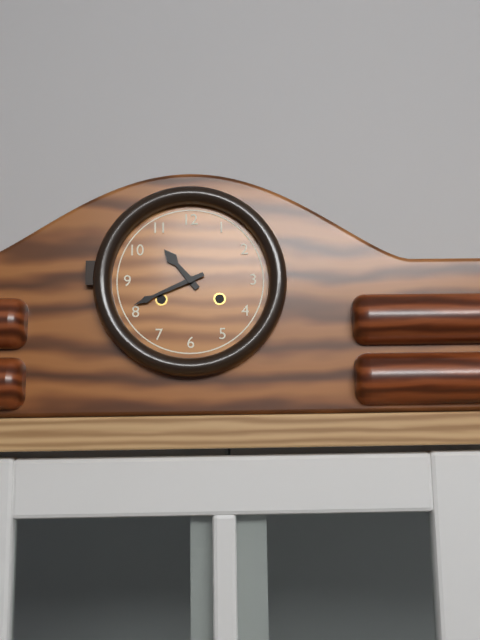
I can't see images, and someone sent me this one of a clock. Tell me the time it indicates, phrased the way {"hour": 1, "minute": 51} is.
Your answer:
{"hour": 10, "minute": 41}
